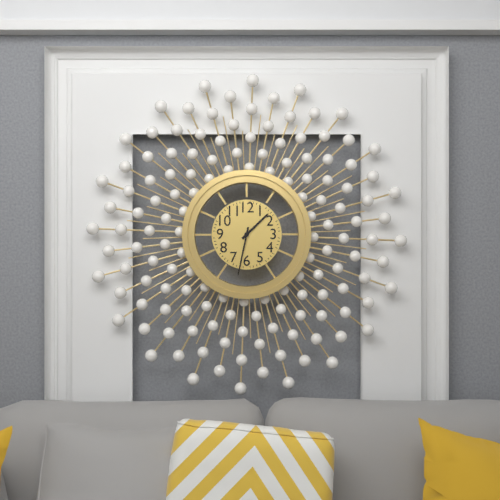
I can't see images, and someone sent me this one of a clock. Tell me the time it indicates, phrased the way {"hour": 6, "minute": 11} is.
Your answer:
{"hour": 1, "minute": 32}
